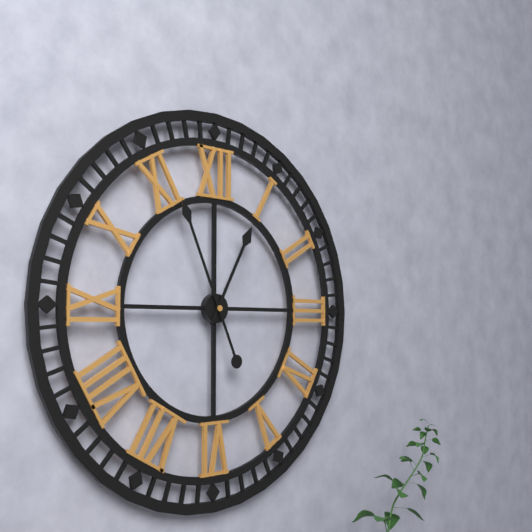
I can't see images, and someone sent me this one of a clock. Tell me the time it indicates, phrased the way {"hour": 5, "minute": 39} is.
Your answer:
{"hour": 12, "minute": 56}
